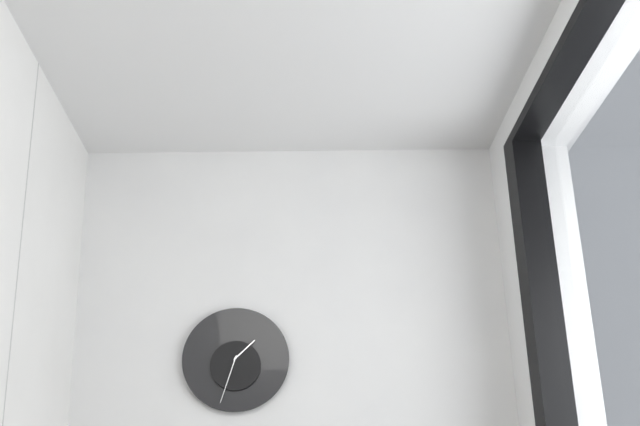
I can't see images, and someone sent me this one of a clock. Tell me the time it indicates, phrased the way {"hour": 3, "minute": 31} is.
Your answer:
{"hour": 1, "minute": 33}
